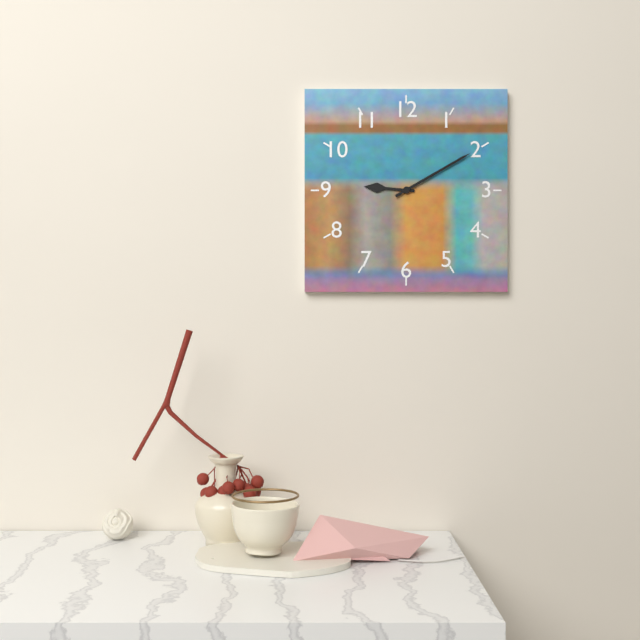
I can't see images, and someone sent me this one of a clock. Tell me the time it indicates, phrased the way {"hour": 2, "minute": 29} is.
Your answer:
{"hour": 9, "minute": 10}
